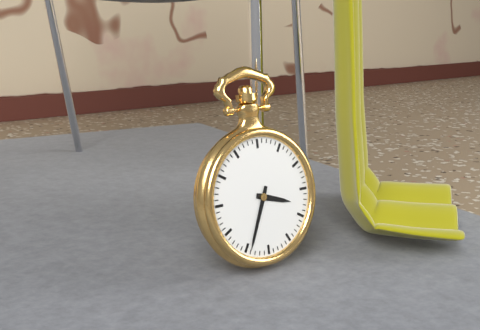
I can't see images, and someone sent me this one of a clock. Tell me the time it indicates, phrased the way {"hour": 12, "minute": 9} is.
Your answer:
{"hour": 3, "minute": 34}
